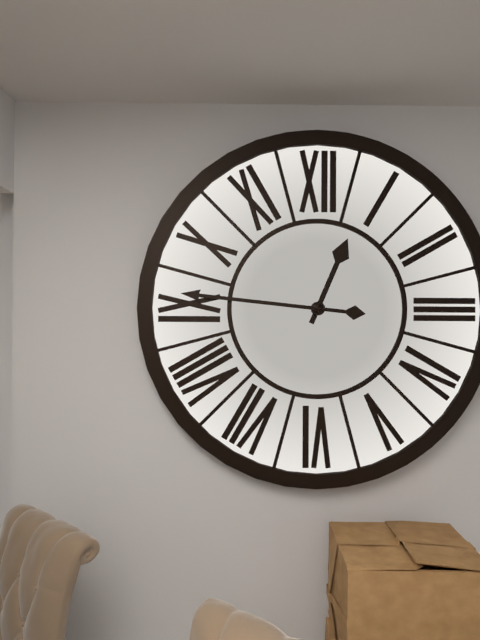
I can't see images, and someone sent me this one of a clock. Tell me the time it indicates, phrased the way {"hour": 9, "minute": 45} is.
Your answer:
{"hour": 12, "minute": 46}
